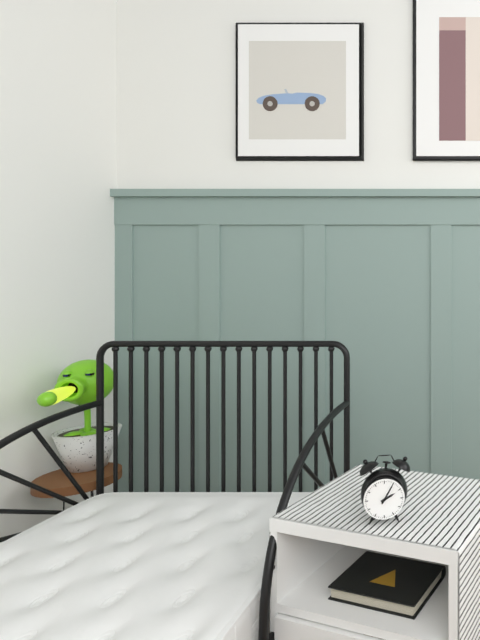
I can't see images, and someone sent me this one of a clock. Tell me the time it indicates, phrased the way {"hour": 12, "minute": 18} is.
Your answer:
{"hour": 2, "minute": 5}
